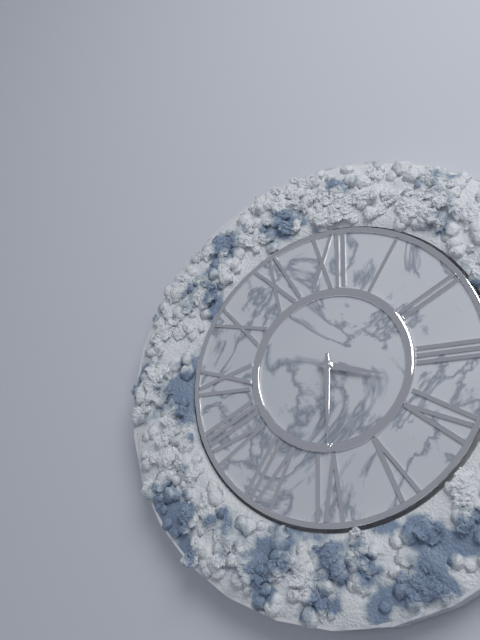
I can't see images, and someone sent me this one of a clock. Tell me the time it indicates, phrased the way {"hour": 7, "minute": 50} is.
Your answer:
{"hour": 3, "minute": 30}
